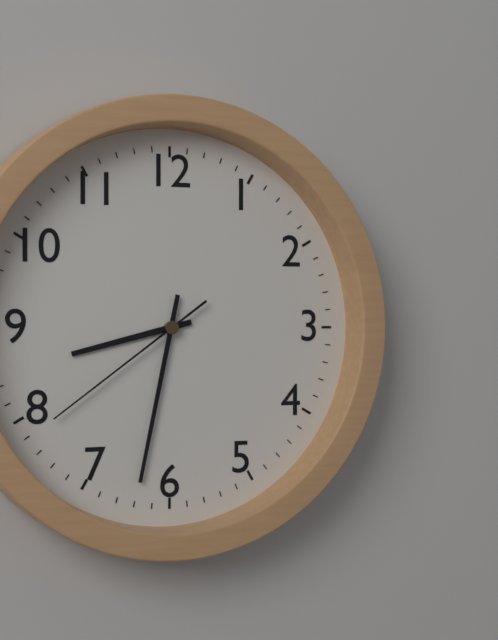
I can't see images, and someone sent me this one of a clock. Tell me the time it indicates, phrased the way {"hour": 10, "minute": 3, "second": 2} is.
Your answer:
{"hour": 8, "minute": 32, "second": 39}
